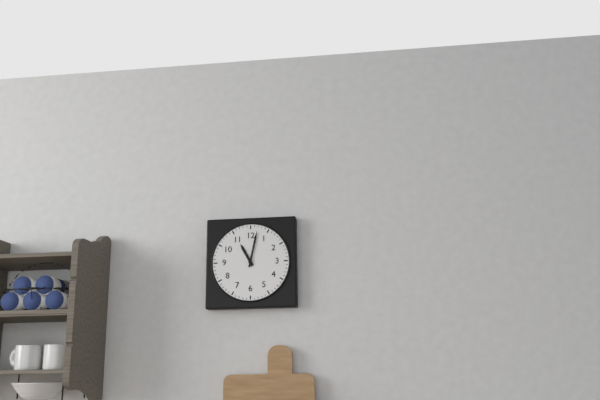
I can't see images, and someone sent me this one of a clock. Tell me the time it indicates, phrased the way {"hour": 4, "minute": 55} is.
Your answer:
{"hour": 11, "minute": 2}
